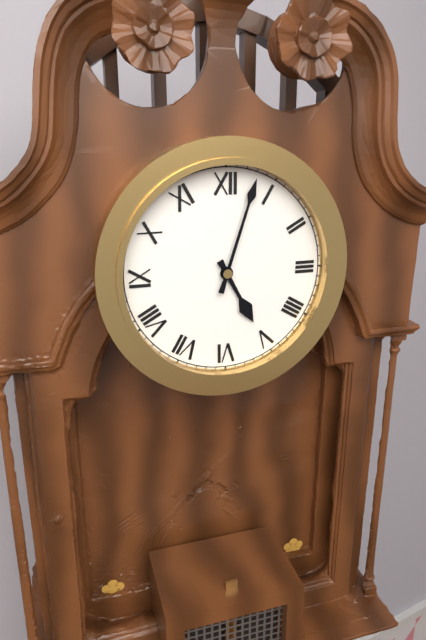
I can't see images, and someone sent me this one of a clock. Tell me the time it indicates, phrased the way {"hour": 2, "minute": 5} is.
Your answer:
{"hour": 5, "minute": 3}
